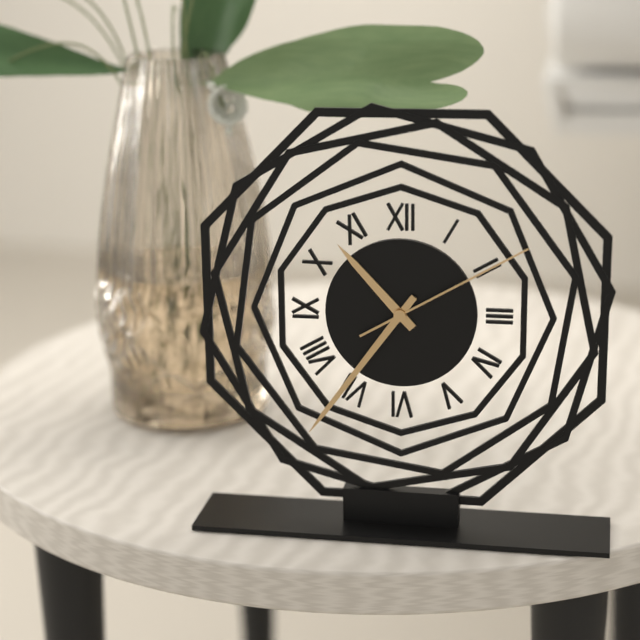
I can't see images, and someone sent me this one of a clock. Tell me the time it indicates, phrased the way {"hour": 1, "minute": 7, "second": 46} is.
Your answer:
{"hour": 10, "minute": 36, "second": 10}
